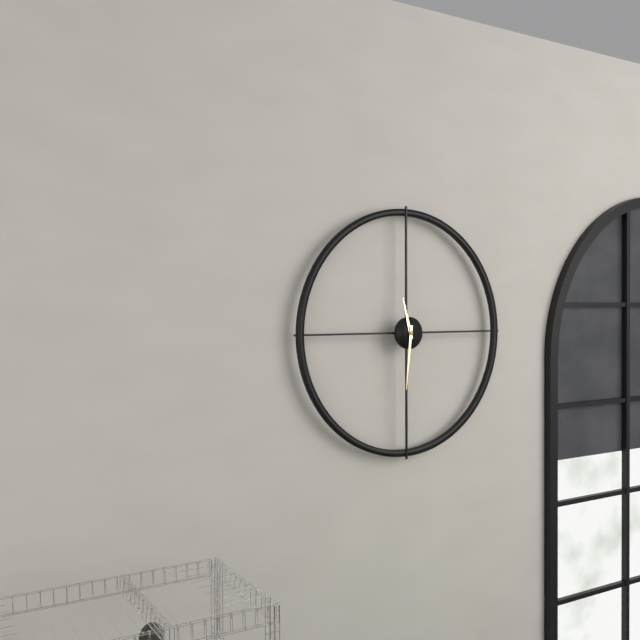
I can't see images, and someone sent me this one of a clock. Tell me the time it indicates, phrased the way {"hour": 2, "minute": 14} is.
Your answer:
{"hour": 11, "minute": 31}
